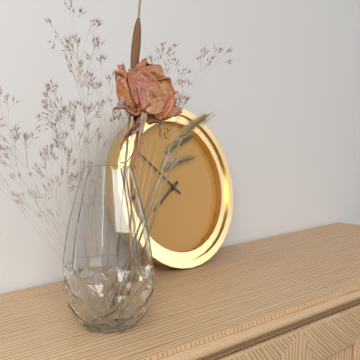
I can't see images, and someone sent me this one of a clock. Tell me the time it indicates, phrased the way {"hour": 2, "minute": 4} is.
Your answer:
{"hour": 7, "minute": 52}
